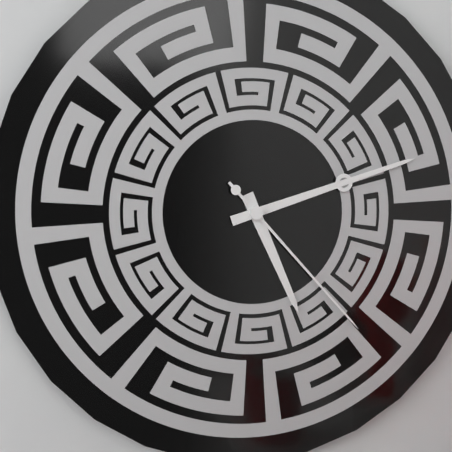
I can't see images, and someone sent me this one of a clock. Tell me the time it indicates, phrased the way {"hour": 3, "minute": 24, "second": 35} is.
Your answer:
{"hour": 5, "minute": 12, "second": 23}
